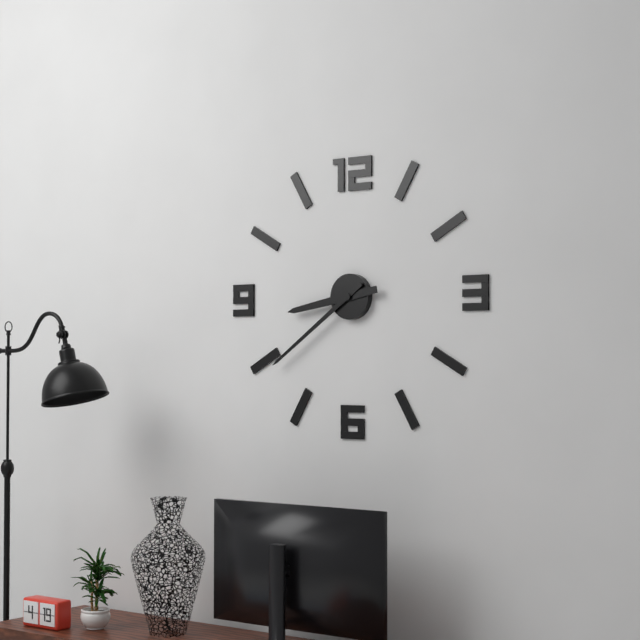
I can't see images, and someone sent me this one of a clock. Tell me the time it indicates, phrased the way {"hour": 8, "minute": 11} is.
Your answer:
{"hour": 8, "minute": 39}
